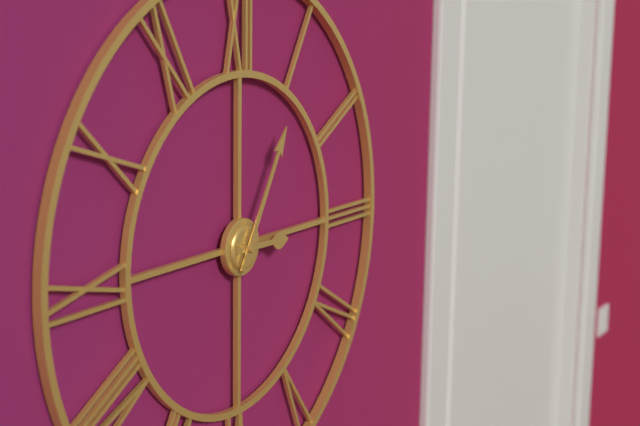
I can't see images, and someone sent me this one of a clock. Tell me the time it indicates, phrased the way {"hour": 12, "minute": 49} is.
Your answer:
{"hour": 3, "minute": 5}
